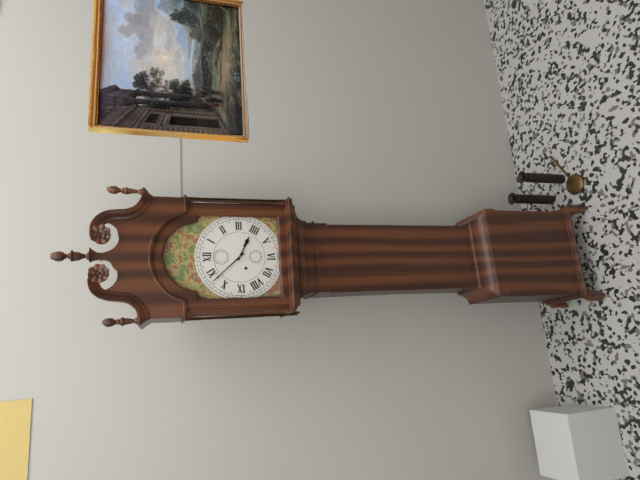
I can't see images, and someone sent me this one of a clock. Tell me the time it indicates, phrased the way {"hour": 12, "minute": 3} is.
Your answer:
{"hour": 3, "minute": 53}
